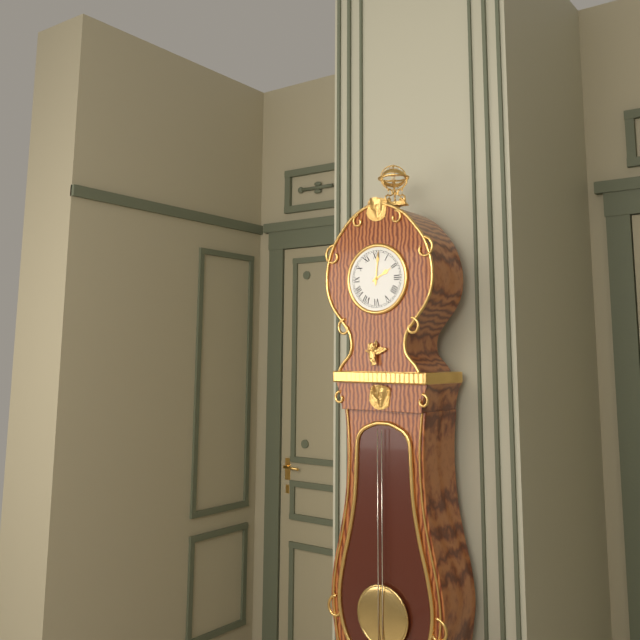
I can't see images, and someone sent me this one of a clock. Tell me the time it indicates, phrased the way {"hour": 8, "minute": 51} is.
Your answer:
{"hour": 2, "minute": 1}
